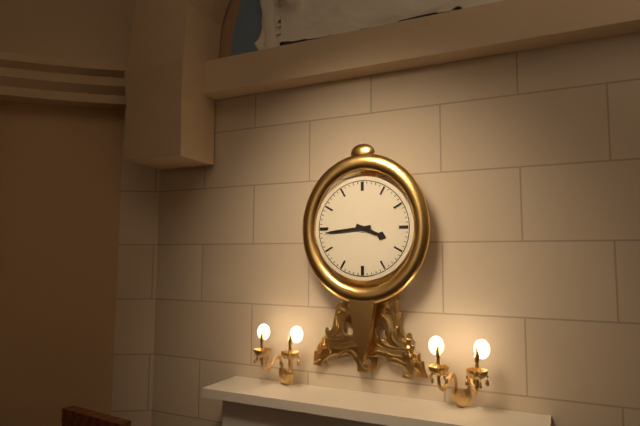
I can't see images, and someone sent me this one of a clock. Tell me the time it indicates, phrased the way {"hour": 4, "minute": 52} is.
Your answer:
{"hour": 3, "minute": 44}
